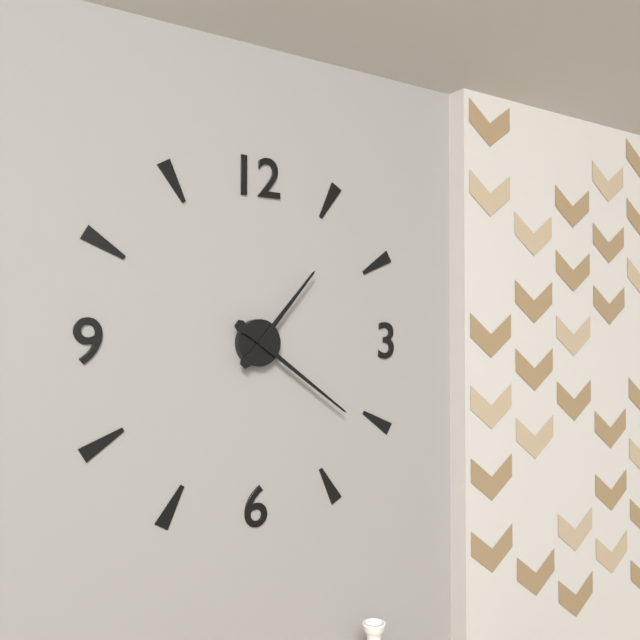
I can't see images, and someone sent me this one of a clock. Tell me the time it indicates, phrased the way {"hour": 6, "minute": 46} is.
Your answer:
{"hour": 1, "minute": 21}
